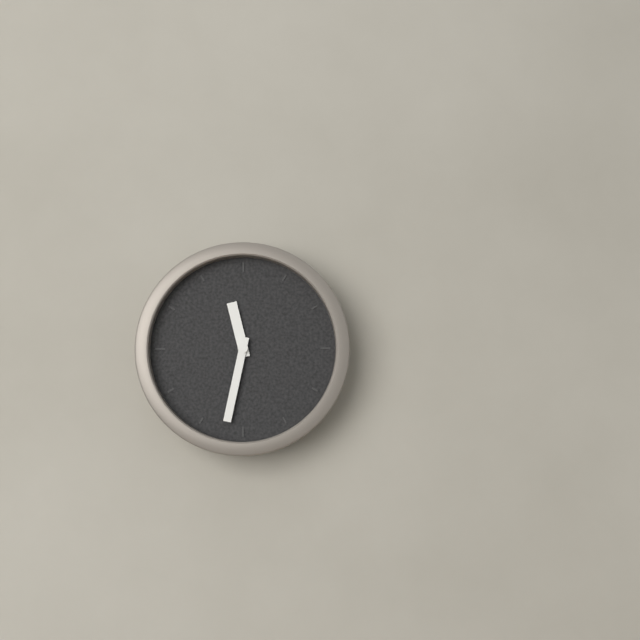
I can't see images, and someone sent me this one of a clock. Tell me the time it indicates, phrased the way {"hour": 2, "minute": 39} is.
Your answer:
{"hour": 11, "minute": 32}
